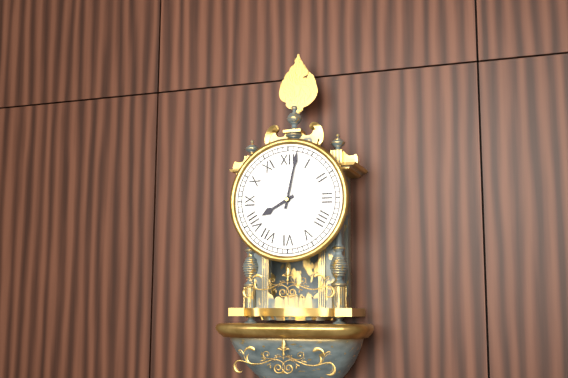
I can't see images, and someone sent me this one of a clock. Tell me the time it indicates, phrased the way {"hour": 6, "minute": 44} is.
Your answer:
{"hour": 8, "minute": 2}
